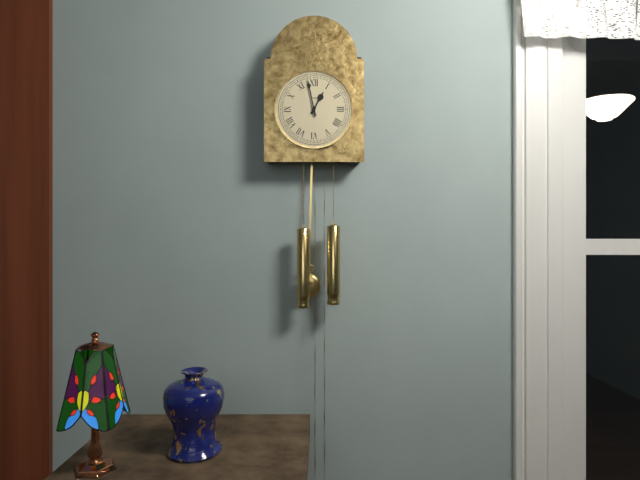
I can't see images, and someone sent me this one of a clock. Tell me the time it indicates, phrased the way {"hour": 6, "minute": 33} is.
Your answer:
{"hour": 12, "minute": 58}
